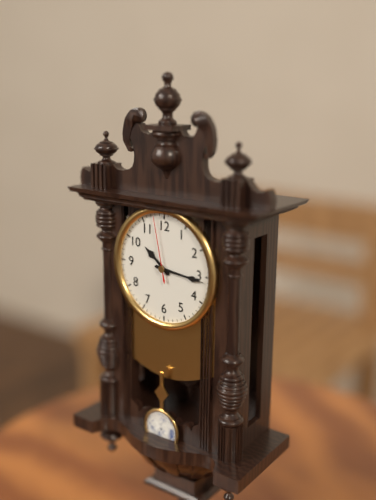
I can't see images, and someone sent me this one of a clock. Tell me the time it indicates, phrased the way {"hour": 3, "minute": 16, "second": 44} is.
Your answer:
{"hour": 10, "minute": 16, "second": 58}
